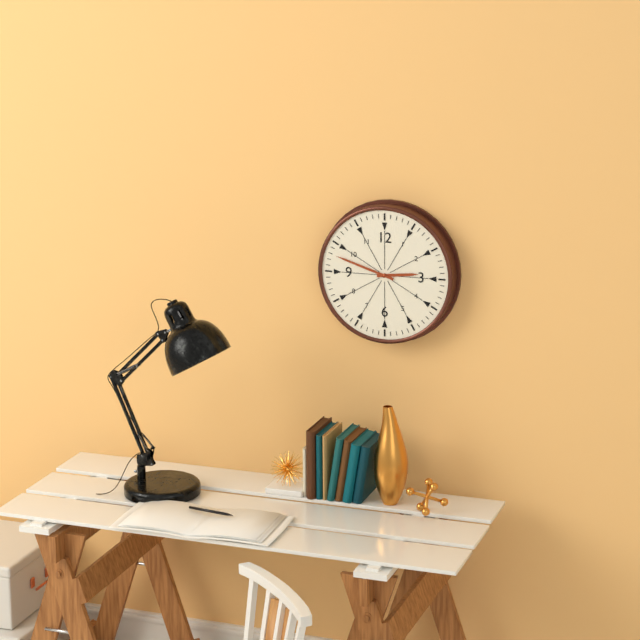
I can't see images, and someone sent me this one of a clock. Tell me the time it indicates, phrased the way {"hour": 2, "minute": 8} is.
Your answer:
{"hour": 2, "minute": 48}
